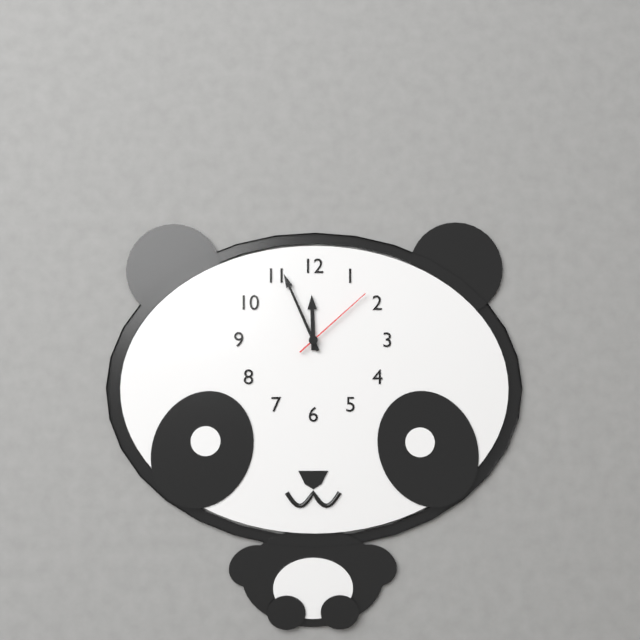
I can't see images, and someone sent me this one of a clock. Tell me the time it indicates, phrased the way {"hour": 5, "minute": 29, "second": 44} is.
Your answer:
{"hour": 11, "minute": 56, "second": 8}
